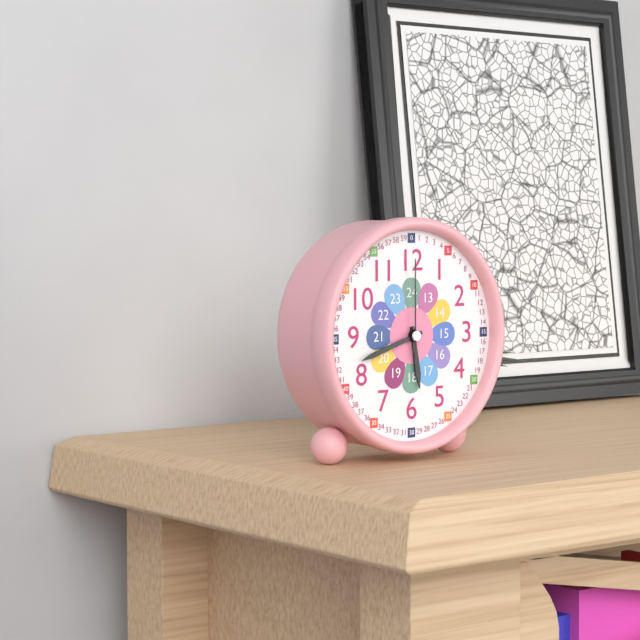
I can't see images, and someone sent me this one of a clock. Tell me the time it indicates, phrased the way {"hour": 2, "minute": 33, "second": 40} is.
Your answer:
{"hour": 5, "minute": 42, "second": 0}
